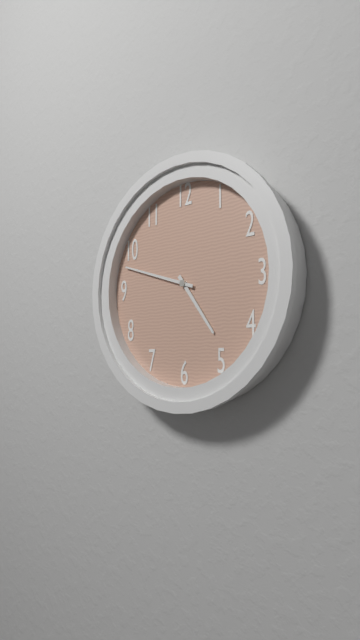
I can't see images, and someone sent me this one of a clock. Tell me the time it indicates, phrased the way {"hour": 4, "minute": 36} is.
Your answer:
{"hour": 4, "minute": 48}
